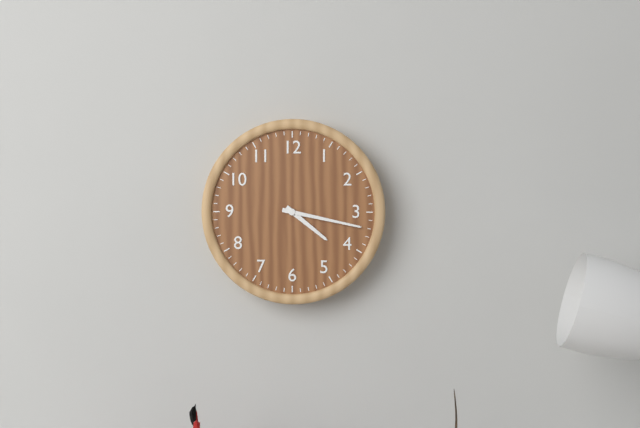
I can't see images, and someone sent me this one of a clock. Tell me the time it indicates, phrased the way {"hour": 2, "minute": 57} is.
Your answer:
{"hour": 4, "minute": 17}
